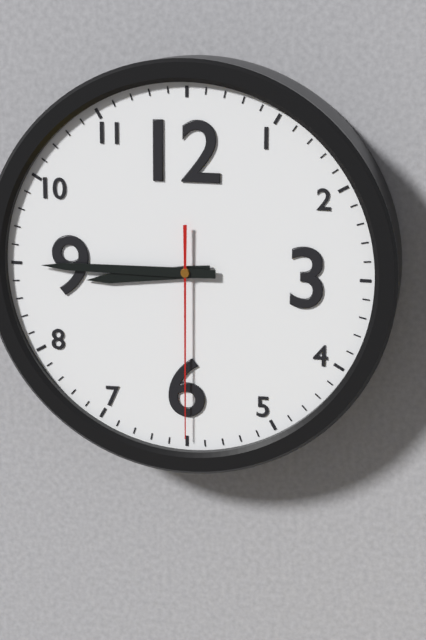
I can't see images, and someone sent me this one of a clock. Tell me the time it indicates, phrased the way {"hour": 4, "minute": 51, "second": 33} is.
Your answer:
{"hour": 8, "minute": 45, "second": 30}
